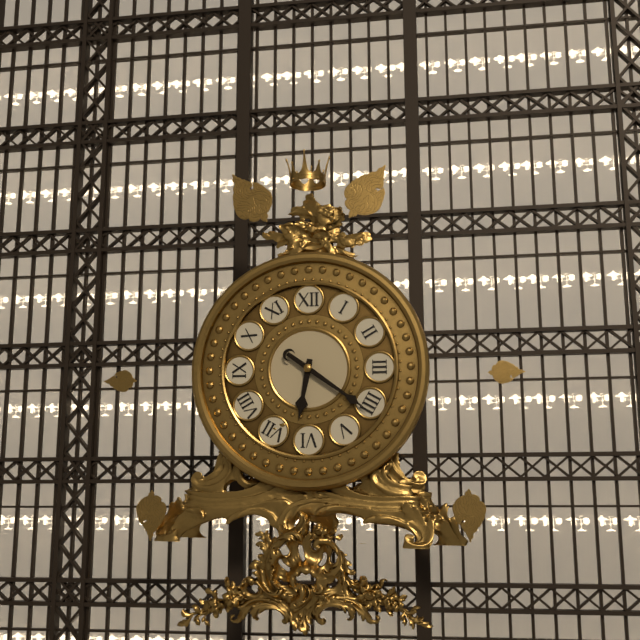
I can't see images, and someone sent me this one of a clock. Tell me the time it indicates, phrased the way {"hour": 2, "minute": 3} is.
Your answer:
{"hour": 6, "minute": 21}
